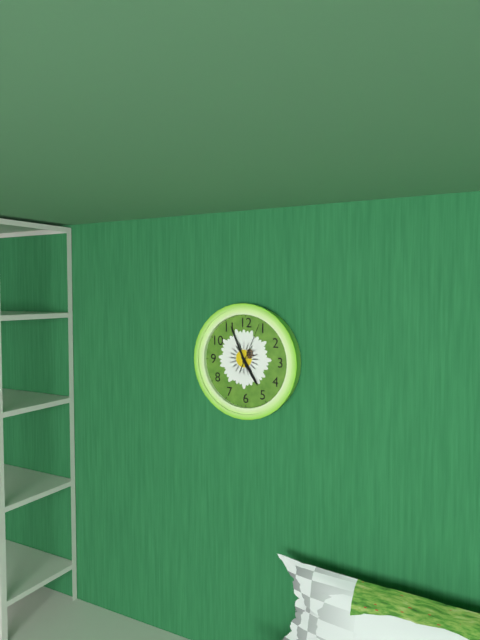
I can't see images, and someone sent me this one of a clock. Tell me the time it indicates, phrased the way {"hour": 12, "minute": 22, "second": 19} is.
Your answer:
{"hour": 4, "minute": 56, "second": 4}
